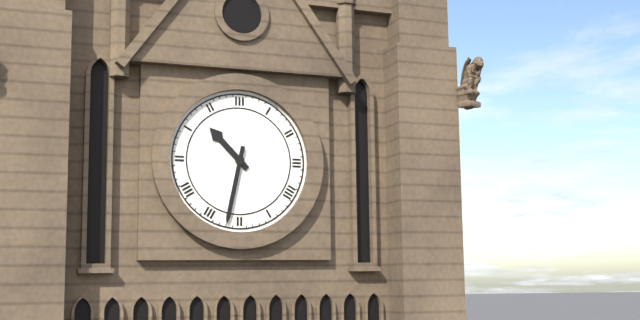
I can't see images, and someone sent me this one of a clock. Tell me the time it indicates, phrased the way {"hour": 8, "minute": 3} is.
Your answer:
{"hour": 10, "minute": 32}
